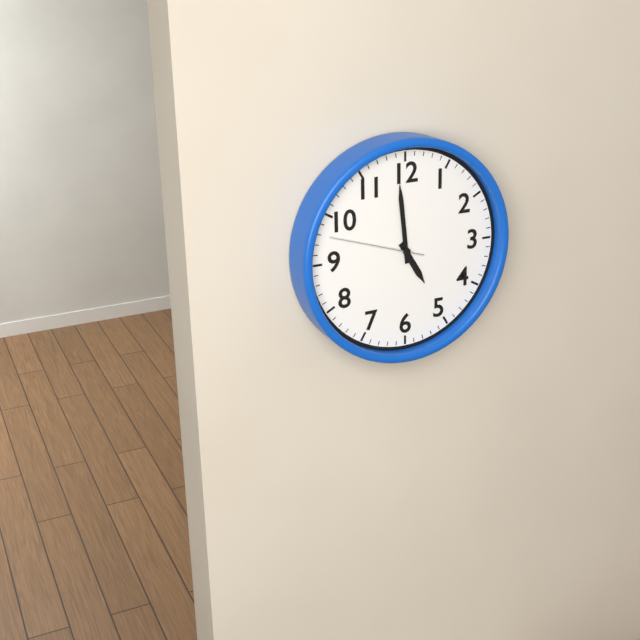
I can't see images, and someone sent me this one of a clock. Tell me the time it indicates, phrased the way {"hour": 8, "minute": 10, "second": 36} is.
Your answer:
{"hour": 4, "minute": 59, "second": 48}
